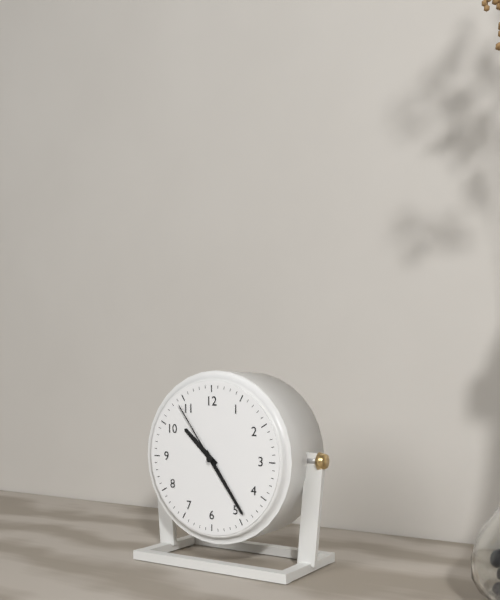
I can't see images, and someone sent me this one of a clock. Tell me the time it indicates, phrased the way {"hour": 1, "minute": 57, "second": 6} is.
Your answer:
{"hour": 10, "minute": 24, "second": 54}
